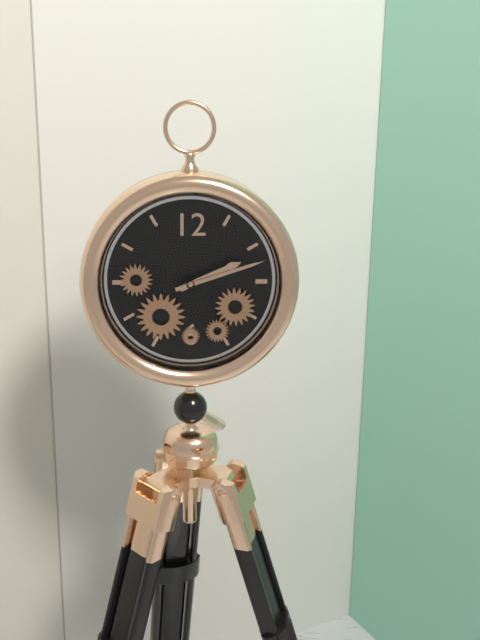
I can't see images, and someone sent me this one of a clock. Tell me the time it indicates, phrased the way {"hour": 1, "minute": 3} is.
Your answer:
{"hour": 2, "minute": 12}
